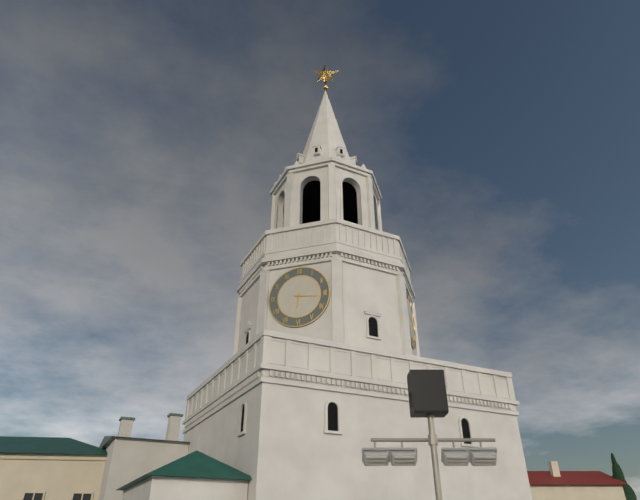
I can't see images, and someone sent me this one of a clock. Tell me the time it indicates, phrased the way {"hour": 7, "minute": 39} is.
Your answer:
{"hour": 6, "minute": 16}
